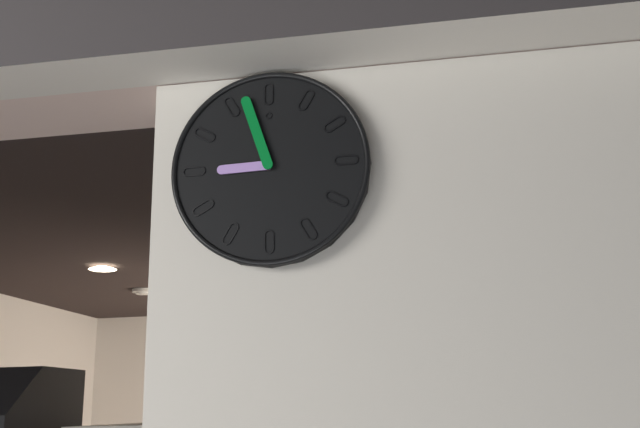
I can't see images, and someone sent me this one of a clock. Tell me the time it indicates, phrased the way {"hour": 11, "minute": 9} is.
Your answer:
{"hour": 8, "minute": 57}
